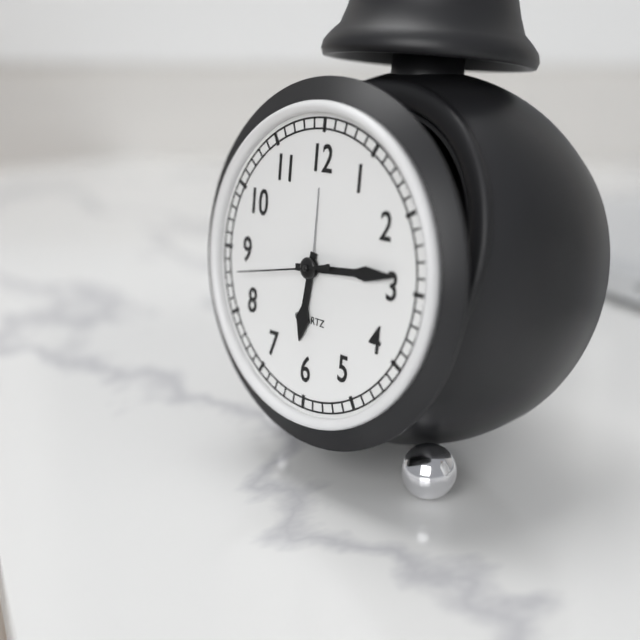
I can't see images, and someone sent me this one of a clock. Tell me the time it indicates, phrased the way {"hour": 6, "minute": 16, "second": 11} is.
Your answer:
{"hour": 6, "minute": 14, "second": 43}
